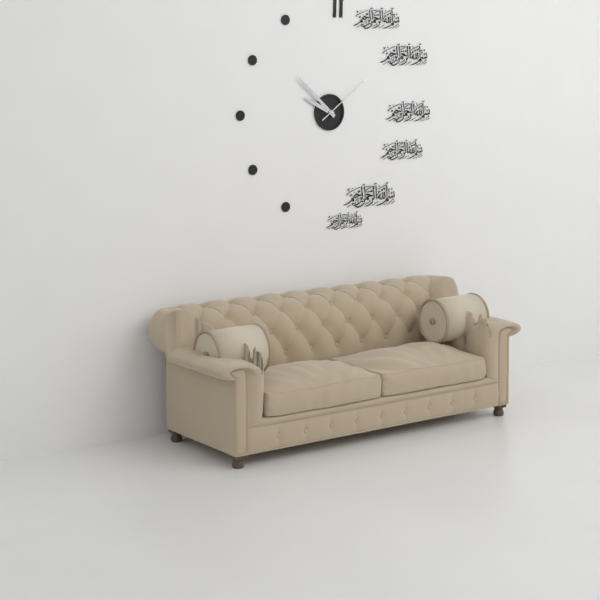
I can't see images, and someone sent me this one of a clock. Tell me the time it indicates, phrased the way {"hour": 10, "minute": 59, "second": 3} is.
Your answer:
{"hour": 9, "minute": 52, "second": 9}
